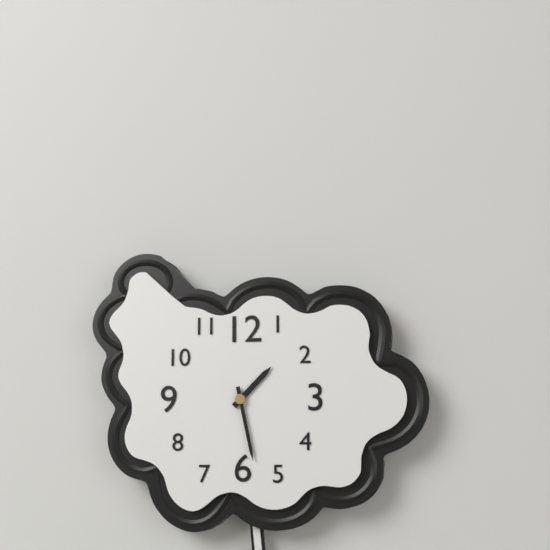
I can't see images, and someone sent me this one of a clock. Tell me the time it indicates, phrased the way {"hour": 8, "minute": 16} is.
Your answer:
{"hour": 1, "minute": 28}
